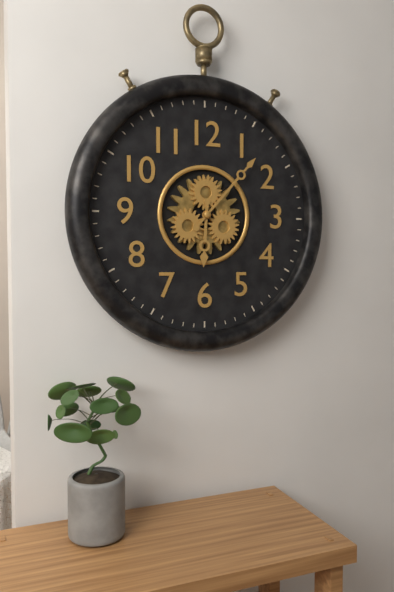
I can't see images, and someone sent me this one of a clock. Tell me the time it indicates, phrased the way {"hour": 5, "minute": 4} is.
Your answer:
{"hour": 6, "minute": 7}
